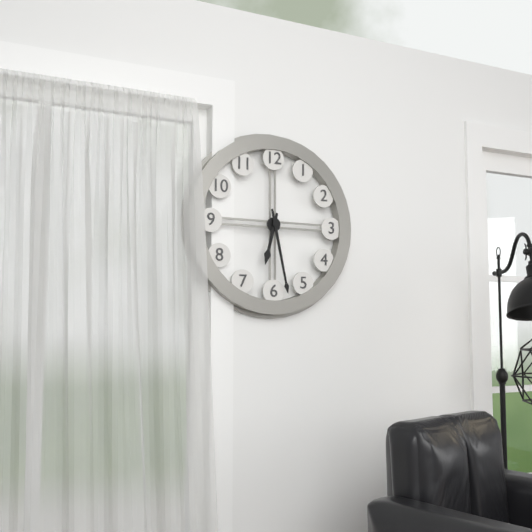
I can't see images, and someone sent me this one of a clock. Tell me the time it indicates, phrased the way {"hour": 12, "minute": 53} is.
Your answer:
{"hour": 6, "minute": 28}
